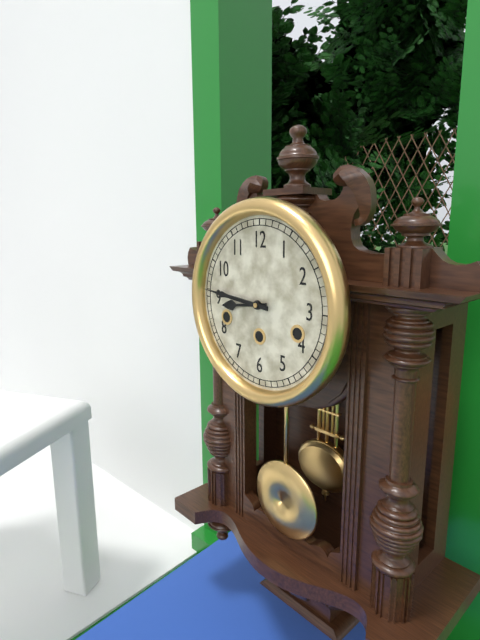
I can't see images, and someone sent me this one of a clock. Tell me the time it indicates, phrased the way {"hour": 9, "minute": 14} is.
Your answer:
{"hour": 8, "minute": 46}
